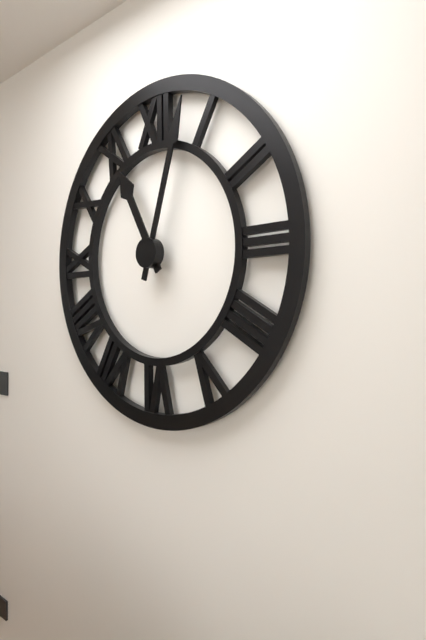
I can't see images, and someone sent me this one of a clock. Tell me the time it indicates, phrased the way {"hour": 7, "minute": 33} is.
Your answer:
{"hour": 11, "minute": 3}
